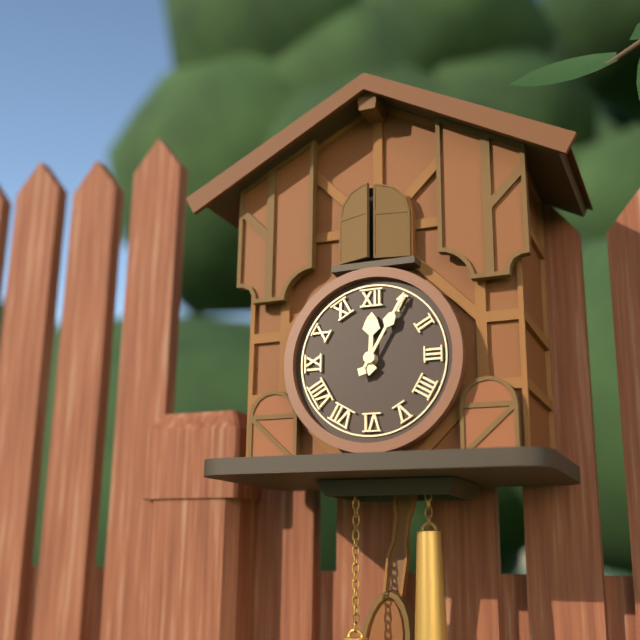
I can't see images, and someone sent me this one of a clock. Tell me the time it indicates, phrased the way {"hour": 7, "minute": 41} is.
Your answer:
{"hour": 12, "minute": 5}
